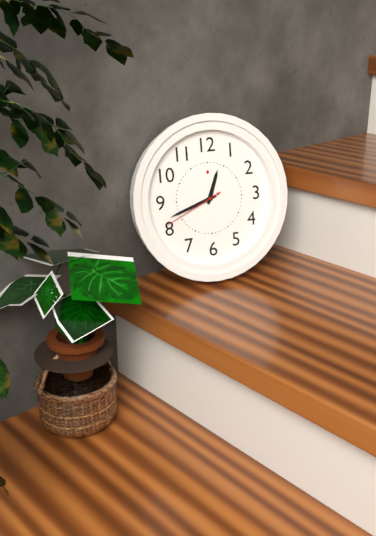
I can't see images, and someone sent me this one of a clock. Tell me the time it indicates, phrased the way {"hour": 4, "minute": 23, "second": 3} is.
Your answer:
{"hour": 12, "minute": 42, "second": 41}
